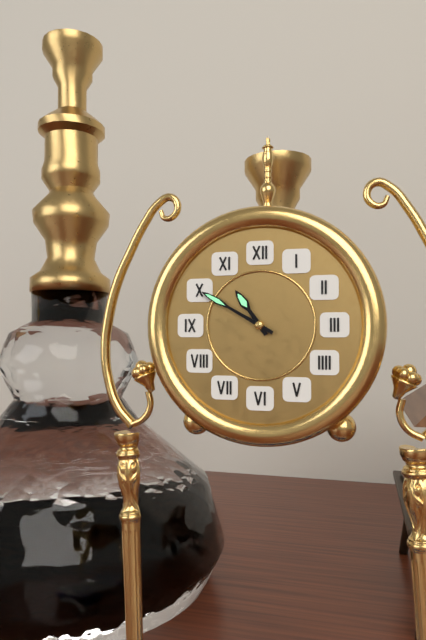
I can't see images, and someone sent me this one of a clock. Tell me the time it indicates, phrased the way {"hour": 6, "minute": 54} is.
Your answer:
{"hour": 10, "minute": 50}
